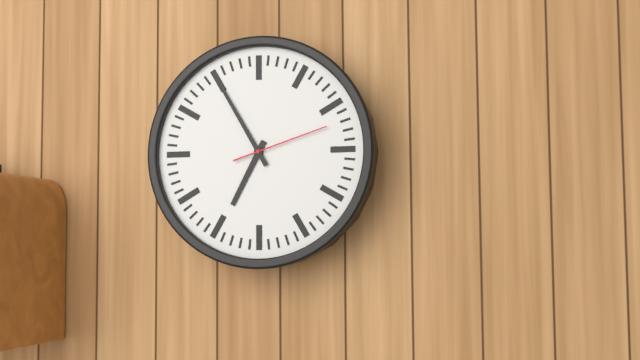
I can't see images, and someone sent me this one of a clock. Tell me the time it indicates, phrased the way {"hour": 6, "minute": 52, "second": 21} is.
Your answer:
{"hour": 6, "minute": 55, "second": 12}
